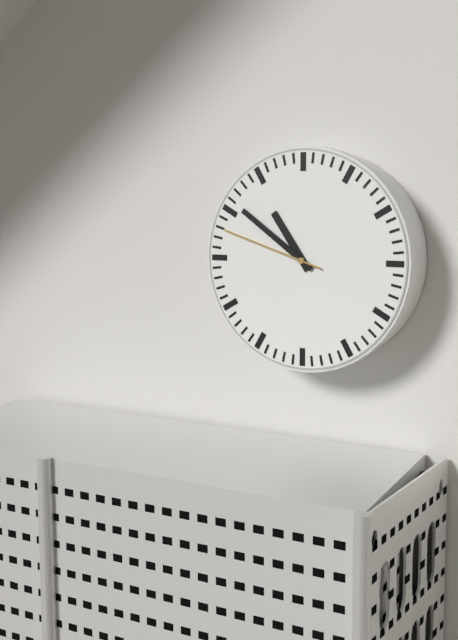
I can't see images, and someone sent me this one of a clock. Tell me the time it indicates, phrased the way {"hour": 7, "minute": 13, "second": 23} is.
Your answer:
{"hour": 10, "minute": 51, "second": 48}
